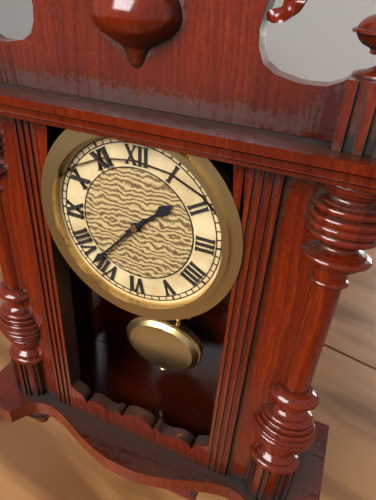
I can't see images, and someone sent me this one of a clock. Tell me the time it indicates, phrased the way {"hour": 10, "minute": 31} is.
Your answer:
{"hour": 1, "minute": 37}
